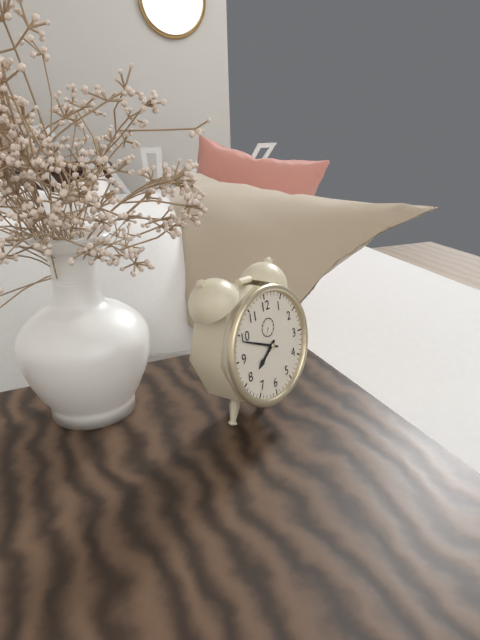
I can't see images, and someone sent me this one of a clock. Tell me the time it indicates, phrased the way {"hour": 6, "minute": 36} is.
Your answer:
{"hour": 7, "minute": 49}
